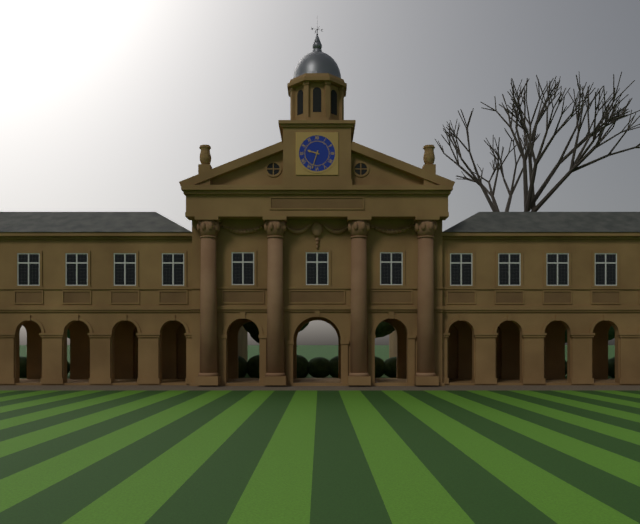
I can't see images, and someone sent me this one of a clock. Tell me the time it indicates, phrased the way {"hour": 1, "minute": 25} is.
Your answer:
{"hour": 9, "minute": 33}
